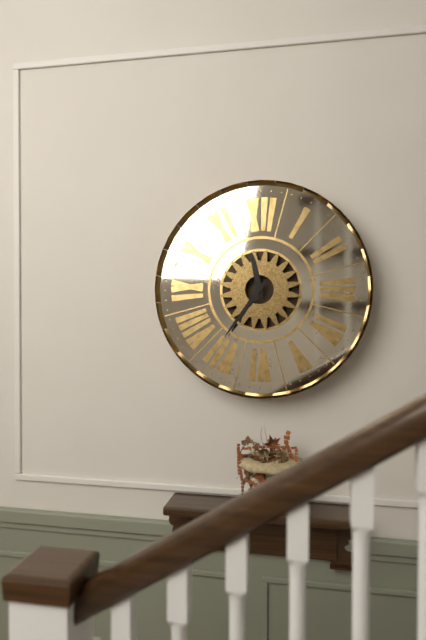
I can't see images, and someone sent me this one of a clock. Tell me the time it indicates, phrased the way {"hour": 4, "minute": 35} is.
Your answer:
{"hour": 11, "minute": 36}
